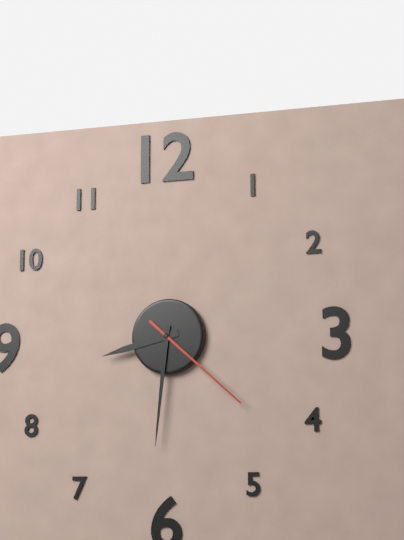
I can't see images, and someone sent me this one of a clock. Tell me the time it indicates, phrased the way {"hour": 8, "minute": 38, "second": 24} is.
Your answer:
{"hour": 8, "minute": 31, "second": 22}
